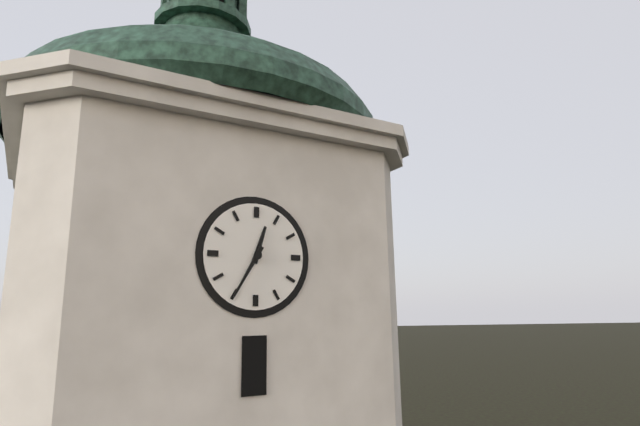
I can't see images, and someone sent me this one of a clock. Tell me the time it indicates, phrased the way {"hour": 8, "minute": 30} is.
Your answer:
{"hour": 12, "minute": 35}
